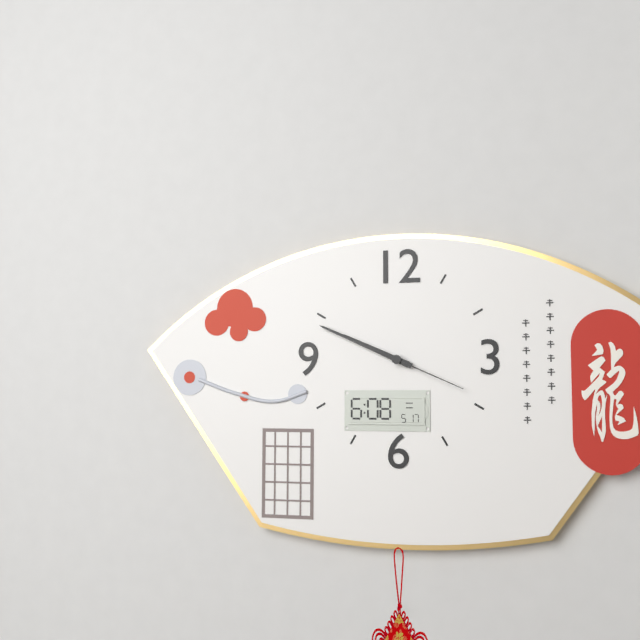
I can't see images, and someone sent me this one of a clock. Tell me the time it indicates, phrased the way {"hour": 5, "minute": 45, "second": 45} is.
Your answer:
{"hour": 9, "minute": 49, "second": 19}
